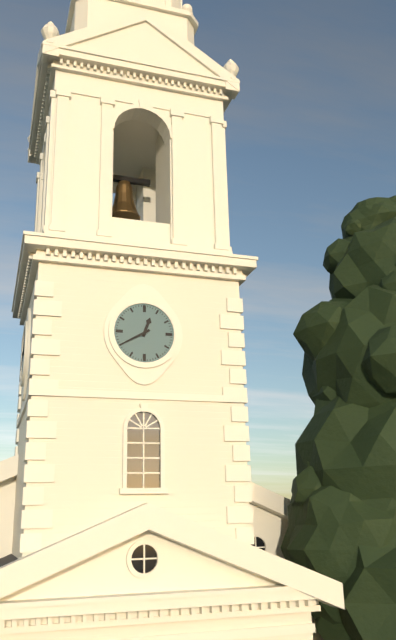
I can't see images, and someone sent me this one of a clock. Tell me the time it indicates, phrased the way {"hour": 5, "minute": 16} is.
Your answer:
{"hour": 12, "minute": 40}
